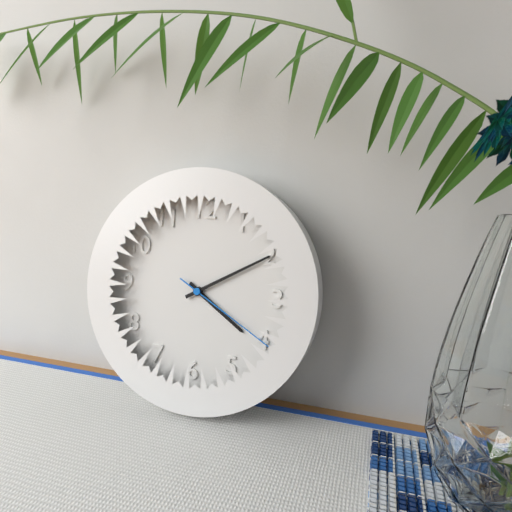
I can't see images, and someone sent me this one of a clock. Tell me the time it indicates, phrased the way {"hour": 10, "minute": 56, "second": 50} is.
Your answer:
{"hour": 4, "minute": 10, "second": 20}
